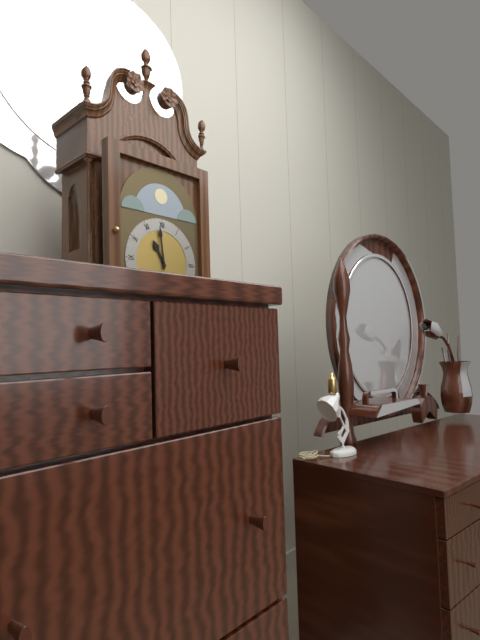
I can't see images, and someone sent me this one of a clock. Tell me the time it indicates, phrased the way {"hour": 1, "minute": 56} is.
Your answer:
{"hour": 10, "minute": 59}
